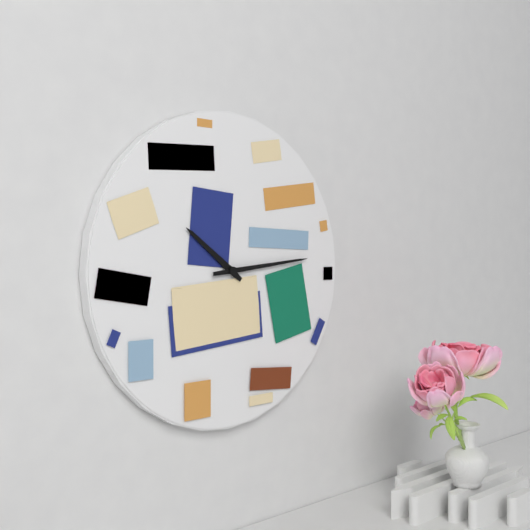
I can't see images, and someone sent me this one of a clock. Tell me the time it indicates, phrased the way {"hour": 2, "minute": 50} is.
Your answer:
{"hour": 10, "minute": 14}
